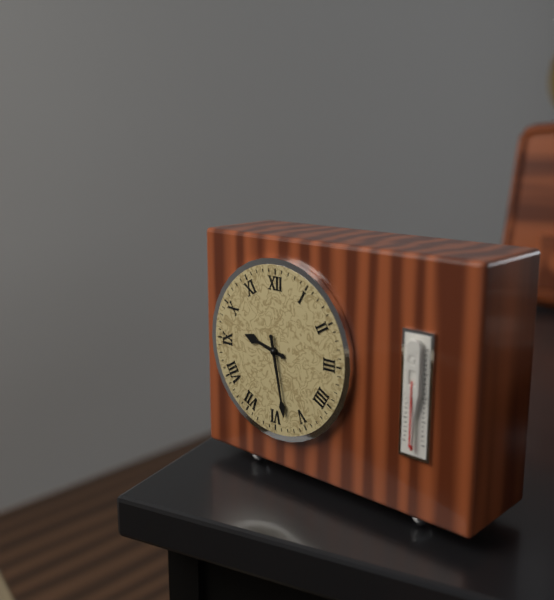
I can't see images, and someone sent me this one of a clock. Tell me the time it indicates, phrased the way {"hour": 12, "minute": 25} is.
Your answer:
{"hour": 9, "minute": 28}
